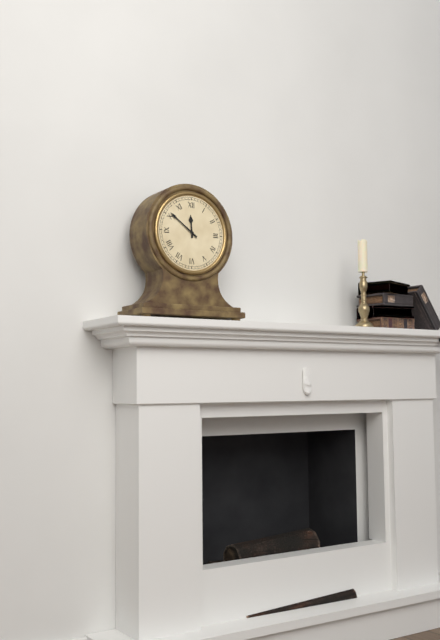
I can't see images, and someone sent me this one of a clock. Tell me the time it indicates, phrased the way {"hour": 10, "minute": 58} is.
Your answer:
{"hour": 11, "minute": 51}
